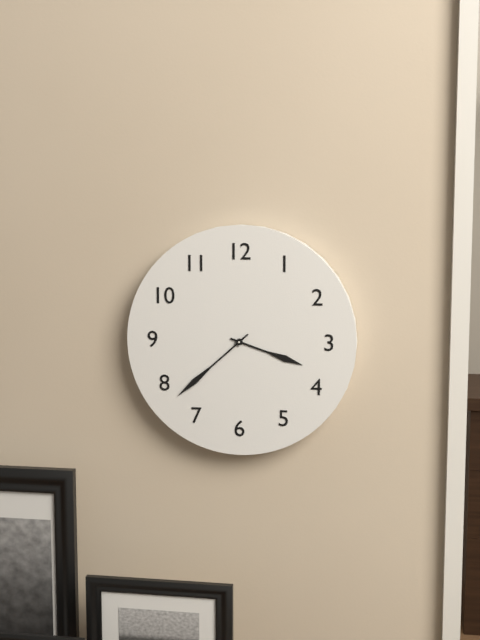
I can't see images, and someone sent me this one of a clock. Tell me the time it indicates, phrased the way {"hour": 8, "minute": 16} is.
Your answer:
{"hour": 3, "minute": 38}
